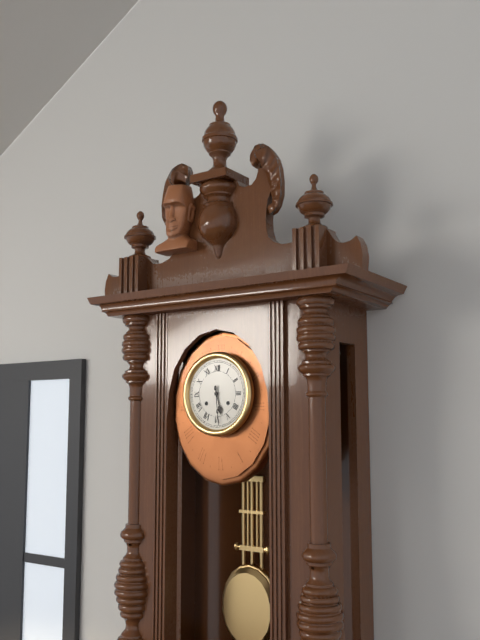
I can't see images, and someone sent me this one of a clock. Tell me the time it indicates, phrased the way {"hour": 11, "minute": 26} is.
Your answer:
{"hour": 5, "minute": 29}
